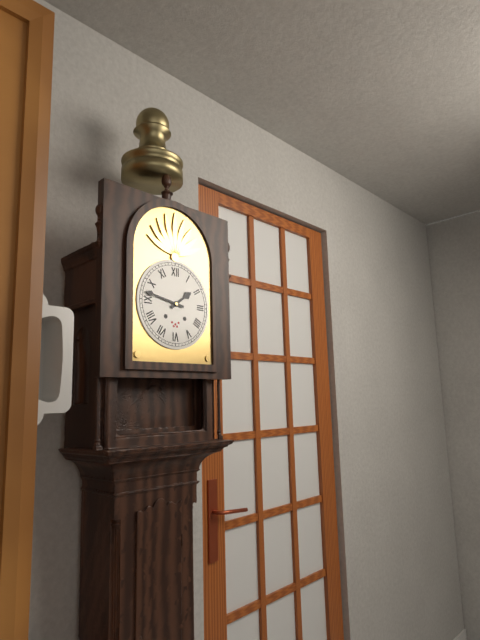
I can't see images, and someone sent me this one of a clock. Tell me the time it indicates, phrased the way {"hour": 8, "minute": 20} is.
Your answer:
{"hour": 1, "minute": 47}
